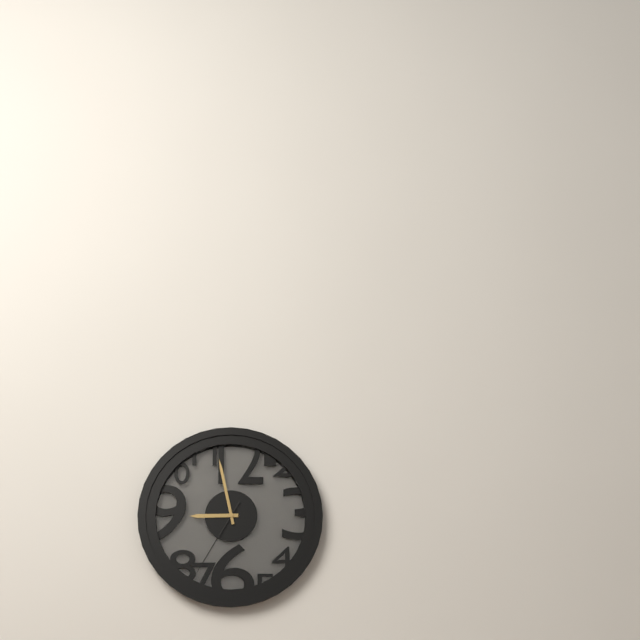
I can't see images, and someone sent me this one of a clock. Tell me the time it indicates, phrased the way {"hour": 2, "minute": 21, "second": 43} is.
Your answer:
{"hour": 8, "minute": 58, "second": 35}
